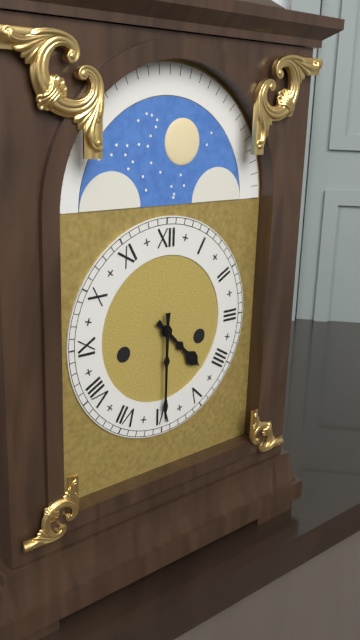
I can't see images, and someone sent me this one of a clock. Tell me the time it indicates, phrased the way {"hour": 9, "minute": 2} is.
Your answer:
{"hour": 4, "minute": 30}
